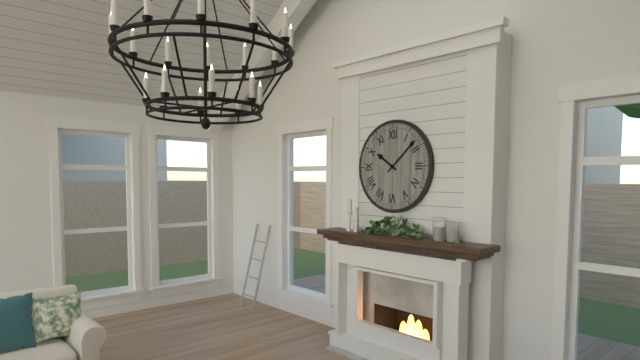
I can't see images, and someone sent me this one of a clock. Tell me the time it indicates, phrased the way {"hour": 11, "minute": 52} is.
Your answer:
{"hour": 10, "minute": 8}
